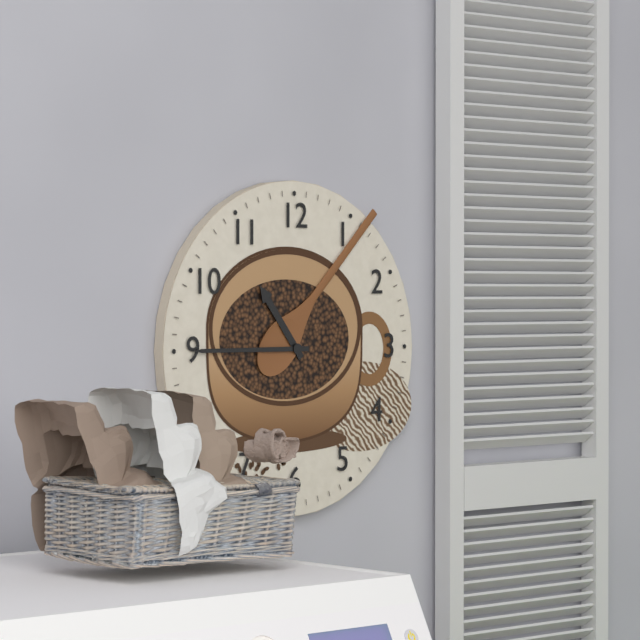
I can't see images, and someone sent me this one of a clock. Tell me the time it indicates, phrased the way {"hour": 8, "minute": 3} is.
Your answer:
{"hour": 10, "minute": 45}
